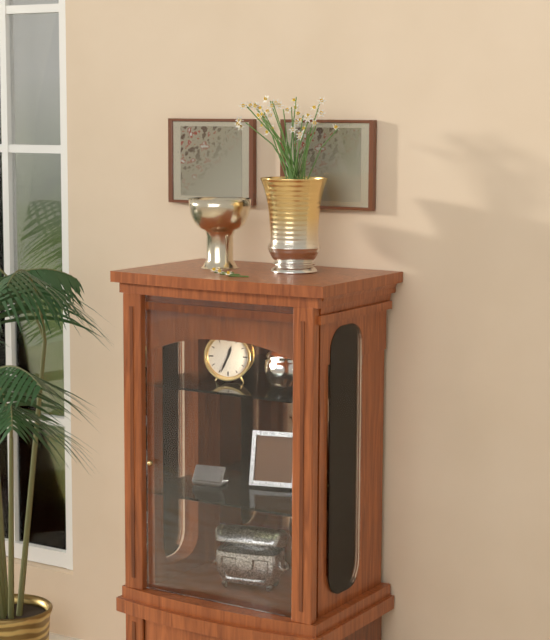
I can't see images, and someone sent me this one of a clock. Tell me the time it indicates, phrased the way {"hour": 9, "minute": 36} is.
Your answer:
{"hour": 12, "minute": 34}
